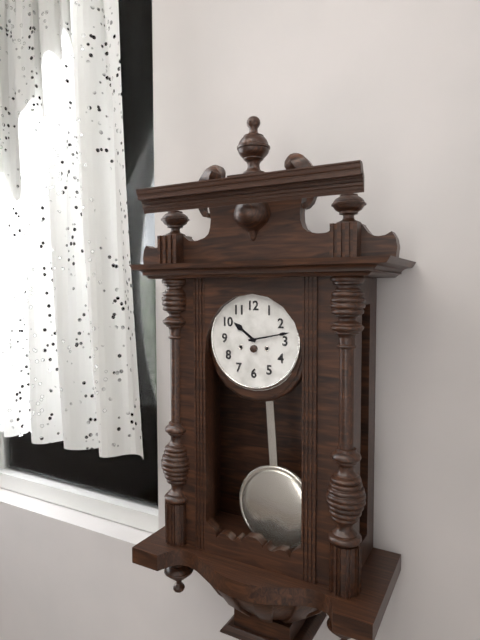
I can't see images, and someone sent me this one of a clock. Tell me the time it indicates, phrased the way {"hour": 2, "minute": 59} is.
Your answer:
{"hour": 10, "minute": 13}
